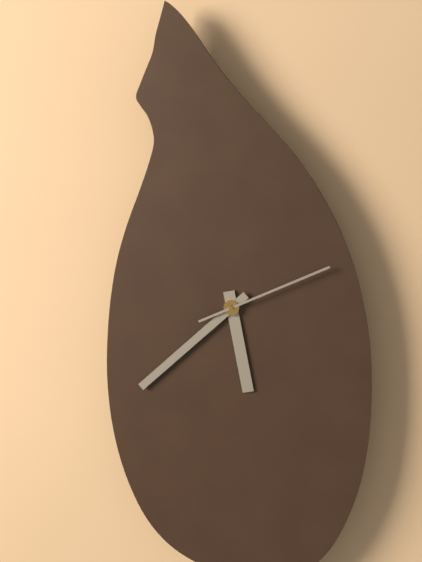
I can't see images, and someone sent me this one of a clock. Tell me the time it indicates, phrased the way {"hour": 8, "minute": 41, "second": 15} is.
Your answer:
{"hour": 5, "minute": 38, "second": 11}
